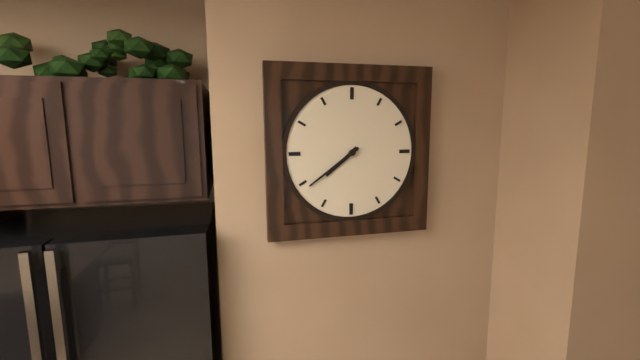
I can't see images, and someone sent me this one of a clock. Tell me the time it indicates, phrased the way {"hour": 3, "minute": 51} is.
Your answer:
{"hour": 7, "minute": 39}
